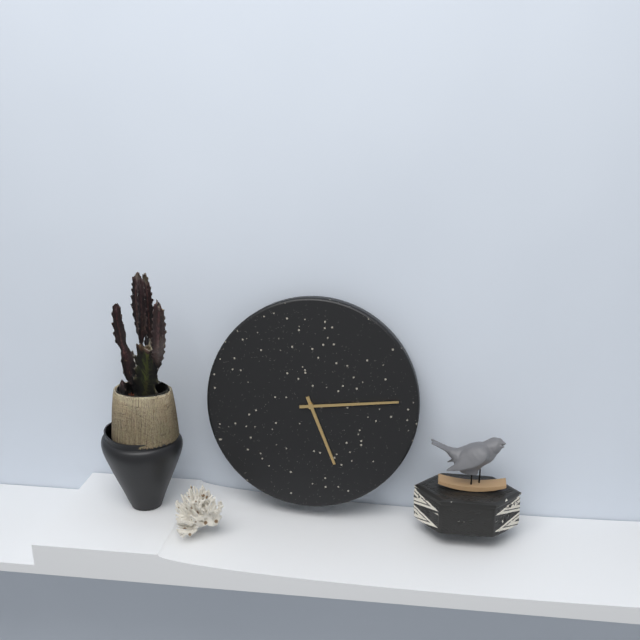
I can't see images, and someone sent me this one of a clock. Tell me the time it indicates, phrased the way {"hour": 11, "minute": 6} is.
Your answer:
{"hour": 5, "minute": 14}
